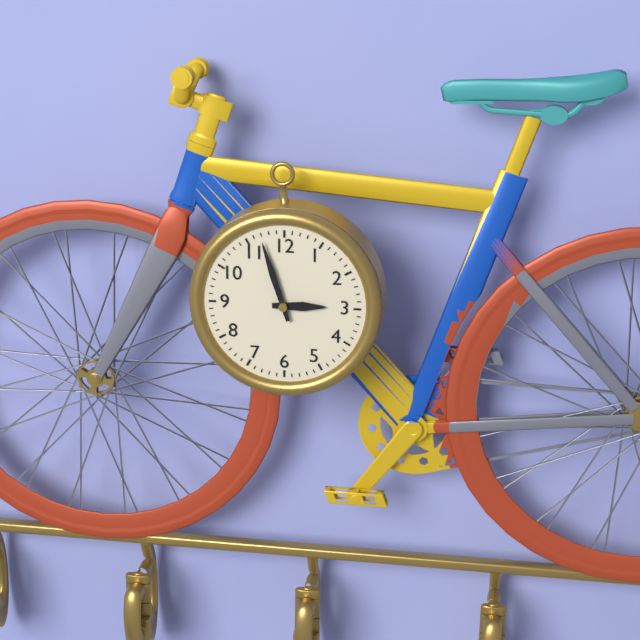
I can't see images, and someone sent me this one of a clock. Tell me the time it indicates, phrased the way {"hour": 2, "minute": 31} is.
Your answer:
{"hour": 2, "minute": 57}
